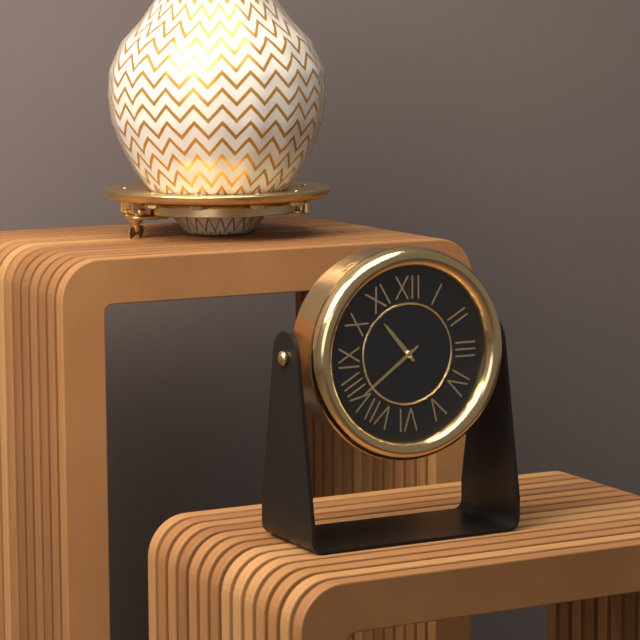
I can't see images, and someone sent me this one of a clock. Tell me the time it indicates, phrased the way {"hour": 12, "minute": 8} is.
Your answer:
{"hour": 10, "minute": 39}
